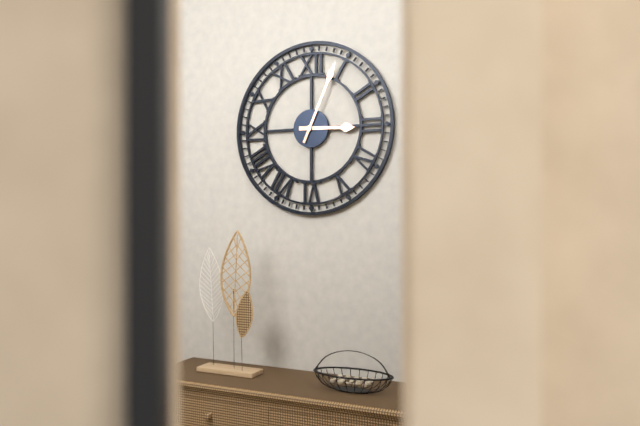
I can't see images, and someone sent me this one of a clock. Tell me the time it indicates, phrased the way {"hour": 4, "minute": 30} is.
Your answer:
{"hour": 3, "minute": 4}
